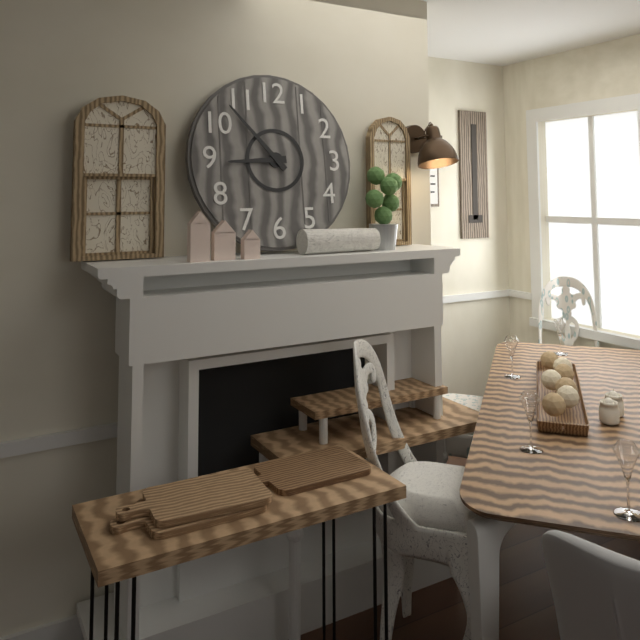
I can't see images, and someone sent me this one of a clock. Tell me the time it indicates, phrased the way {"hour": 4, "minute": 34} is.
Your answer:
{"hour": 8, "minute": 53}
